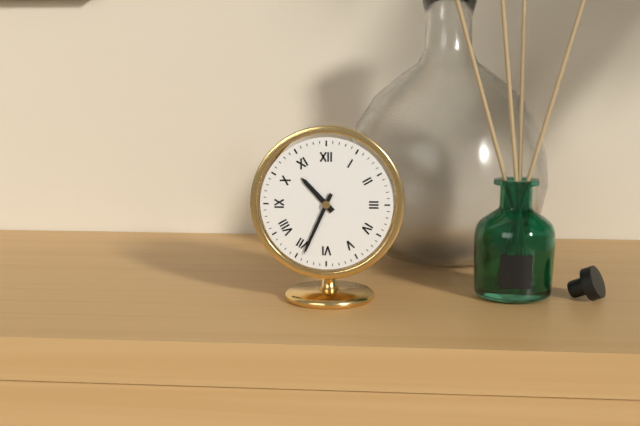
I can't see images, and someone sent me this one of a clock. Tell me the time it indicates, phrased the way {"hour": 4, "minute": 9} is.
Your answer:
{"hour": 10, "minute": 34}
